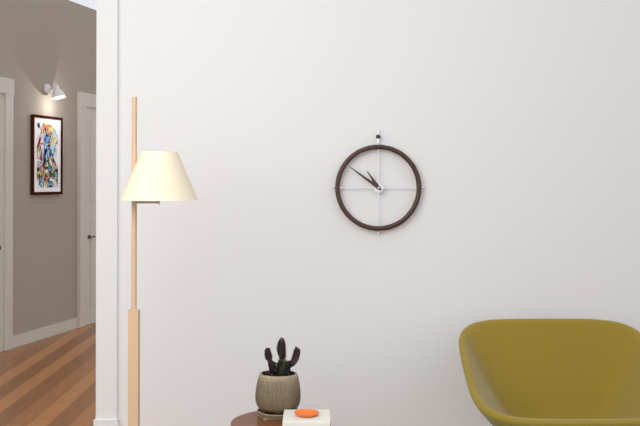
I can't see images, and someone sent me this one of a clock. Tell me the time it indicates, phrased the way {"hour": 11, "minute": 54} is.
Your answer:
{"hour": 10, "minute": 51}
